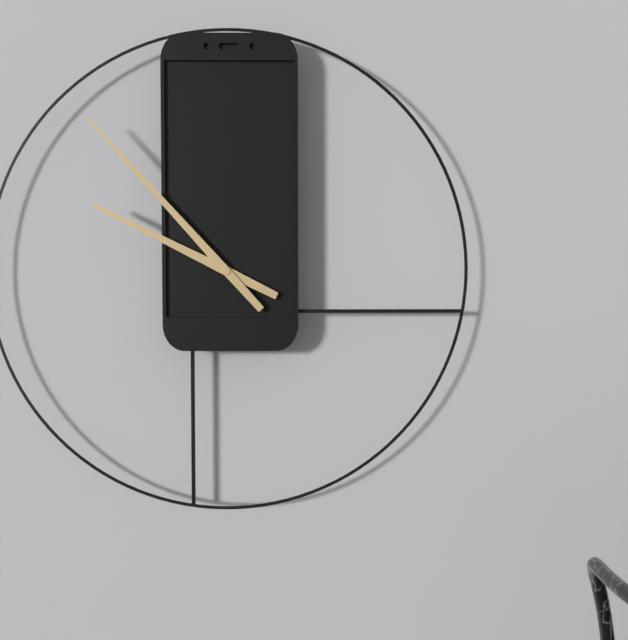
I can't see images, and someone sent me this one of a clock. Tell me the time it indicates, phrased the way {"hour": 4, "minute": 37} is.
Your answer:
{"hour": 9, "minute": 53}
